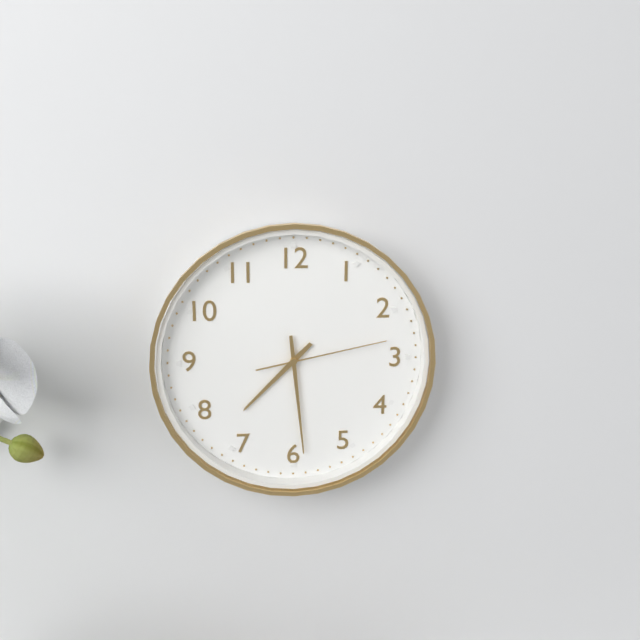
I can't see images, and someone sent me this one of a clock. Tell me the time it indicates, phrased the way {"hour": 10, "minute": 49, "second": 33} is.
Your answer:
{"hour": 7, "minute": 29, "second": 13}
